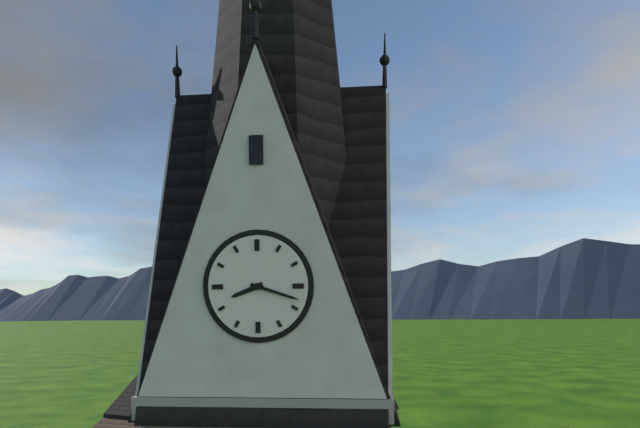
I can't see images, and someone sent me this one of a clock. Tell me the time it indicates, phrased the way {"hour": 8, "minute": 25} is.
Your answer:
{"hour": 8, "minute": 18}
